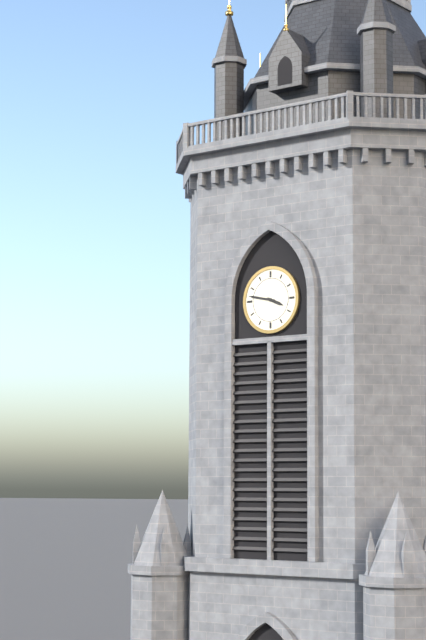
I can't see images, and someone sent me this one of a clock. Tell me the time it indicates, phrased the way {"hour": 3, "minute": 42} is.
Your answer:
{"hour": 3, "minute": 47}
